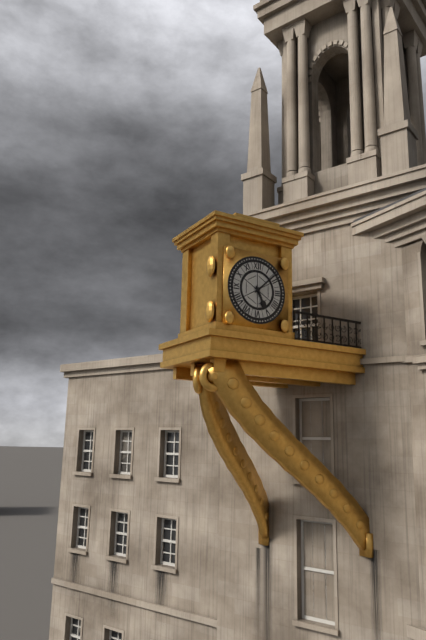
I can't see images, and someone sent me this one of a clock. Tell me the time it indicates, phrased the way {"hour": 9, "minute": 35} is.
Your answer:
{"hour": 5, "minute": 8}
